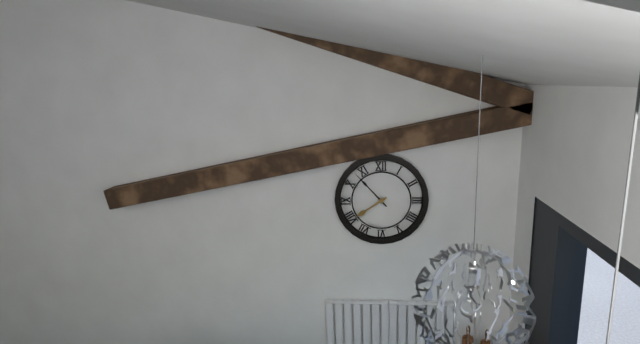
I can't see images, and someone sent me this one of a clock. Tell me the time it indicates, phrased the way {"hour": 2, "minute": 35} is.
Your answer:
{"hour": 7, "minute": 53}
